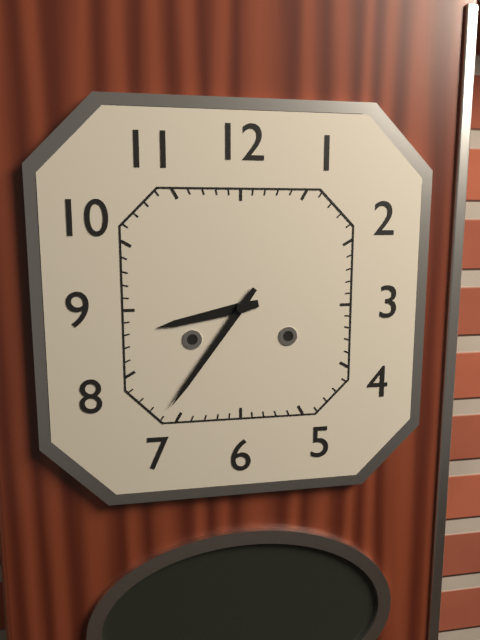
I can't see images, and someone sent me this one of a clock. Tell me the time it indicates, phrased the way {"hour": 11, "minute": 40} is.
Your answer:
{"hour": 8, "minute": 36}
